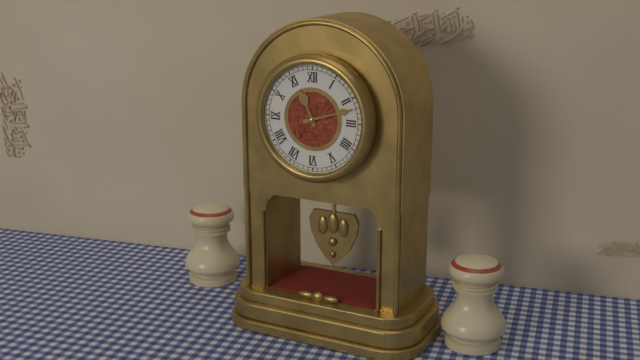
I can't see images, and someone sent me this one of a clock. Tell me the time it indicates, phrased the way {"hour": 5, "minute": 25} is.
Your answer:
{"hour": 11, "minute": 12}
